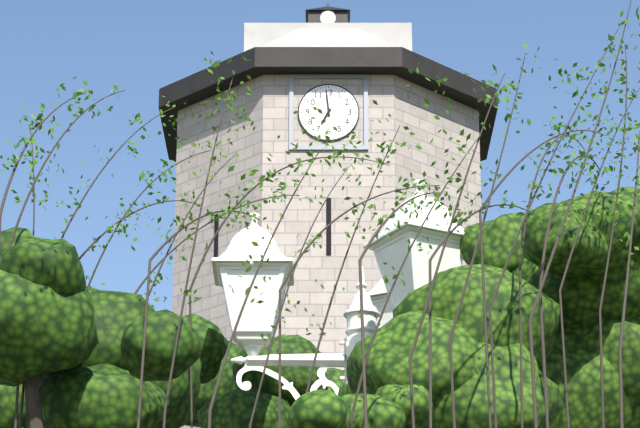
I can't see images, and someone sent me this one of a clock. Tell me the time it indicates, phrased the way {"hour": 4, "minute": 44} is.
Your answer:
{"hour": 6, "minute": 59}
